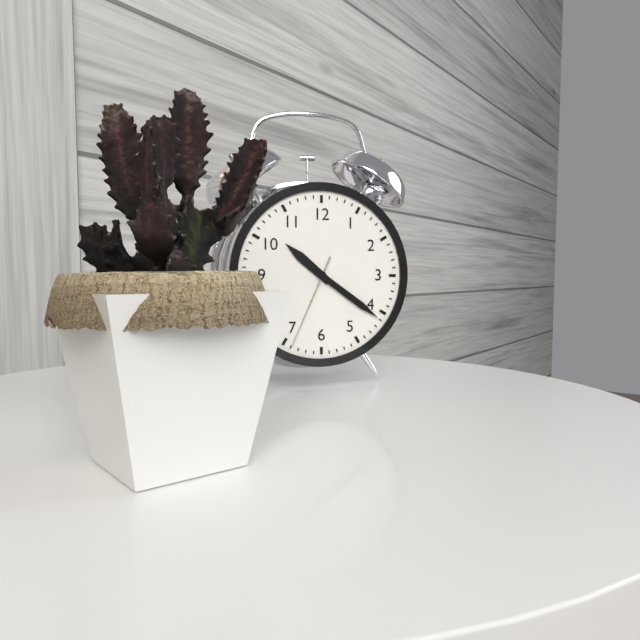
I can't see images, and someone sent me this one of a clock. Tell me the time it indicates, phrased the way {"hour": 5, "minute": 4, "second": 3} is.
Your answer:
{"hour": 10, "minute": 21, "second": 34}
